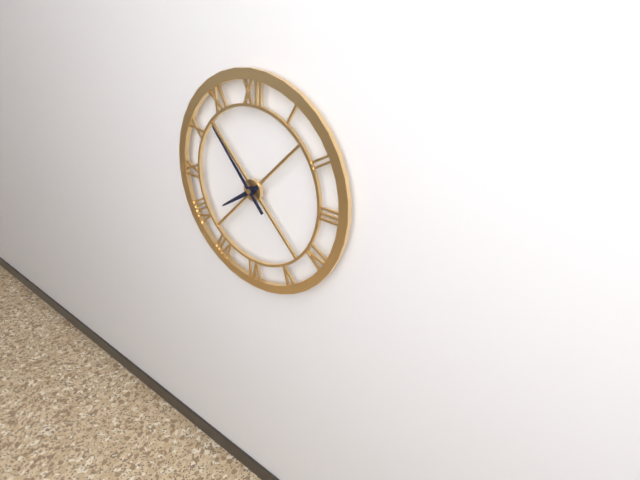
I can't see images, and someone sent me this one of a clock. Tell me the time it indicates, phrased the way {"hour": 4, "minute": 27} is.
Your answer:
{"hour": 7, "minute": 53}
